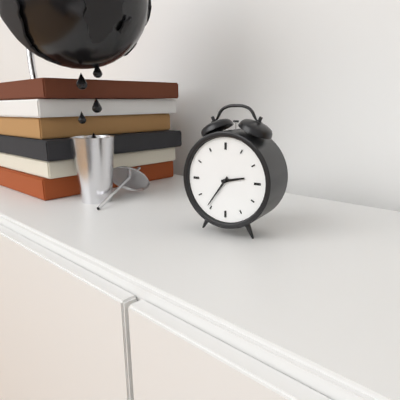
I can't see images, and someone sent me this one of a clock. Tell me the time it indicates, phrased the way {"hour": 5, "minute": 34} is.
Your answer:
{"hour": 2, "minute": 36}
